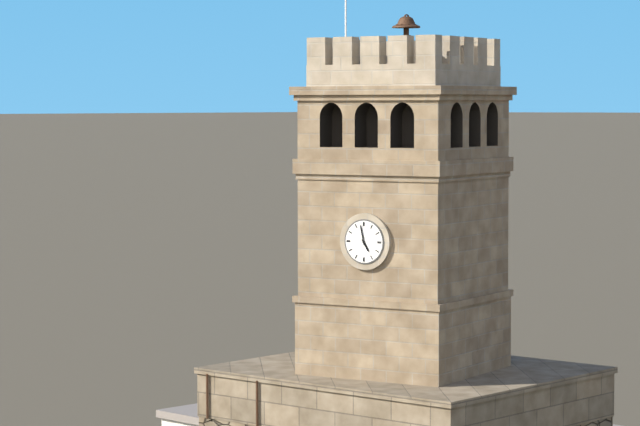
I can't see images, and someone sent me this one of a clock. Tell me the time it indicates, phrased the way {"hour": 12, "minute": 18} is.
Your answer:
{"hour": 4, "minute": 58}
